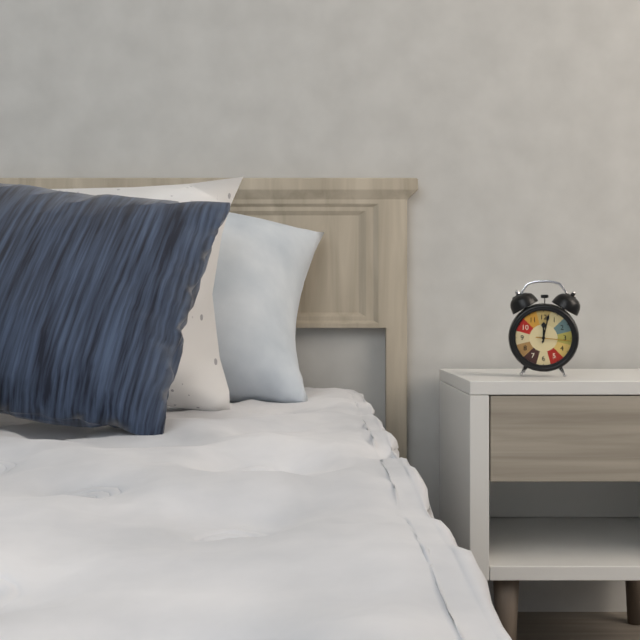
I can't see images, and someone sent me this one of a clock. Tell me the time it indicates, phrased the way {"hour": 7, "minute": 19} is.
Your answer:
{"hour": 12, "minute": 2}
